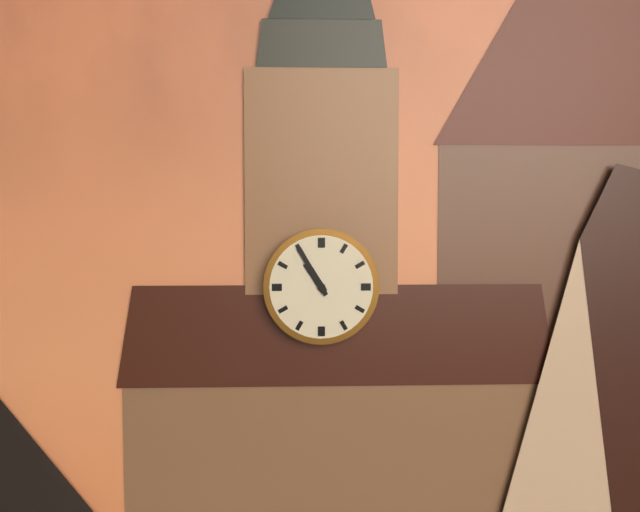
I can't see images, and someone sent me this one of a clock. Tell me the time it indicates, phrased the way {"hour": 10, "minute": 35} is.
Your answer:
{"hour": 10, "minute": 55}
